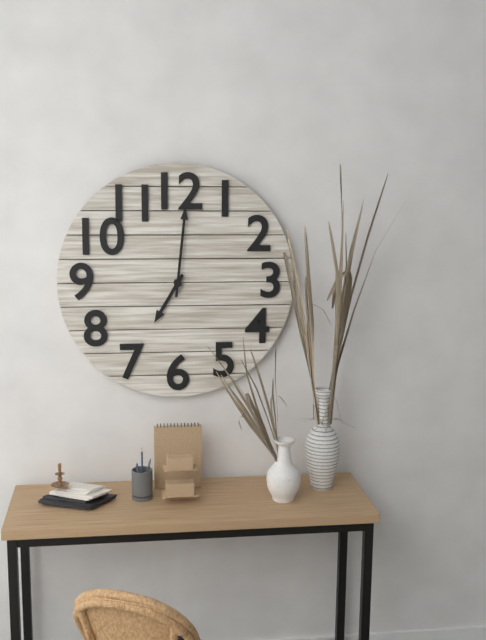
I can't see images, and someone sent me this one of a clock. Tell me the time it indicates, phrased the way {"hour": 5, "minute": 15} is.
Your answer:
{"hour": 7, "minute": 1}
